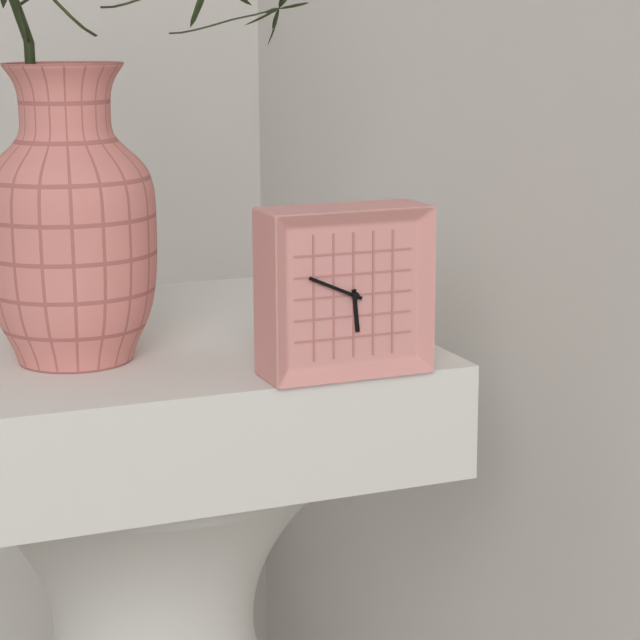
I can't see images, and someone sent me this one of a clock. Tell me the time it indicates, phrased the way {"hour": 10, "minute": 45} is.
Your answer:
{"hour": 5, "minute": 49}
